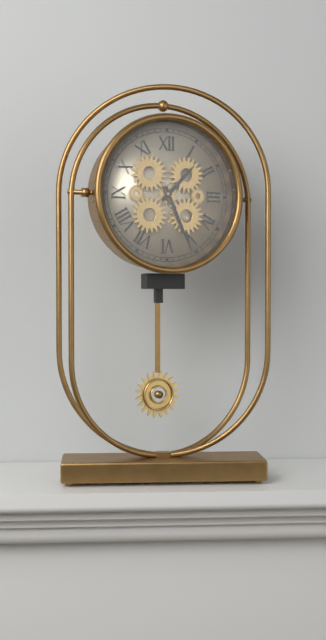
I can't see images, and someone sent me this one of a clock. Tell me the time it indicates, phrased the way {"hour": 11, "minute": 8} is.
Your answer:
{"hour": 1, "minute": 26}
